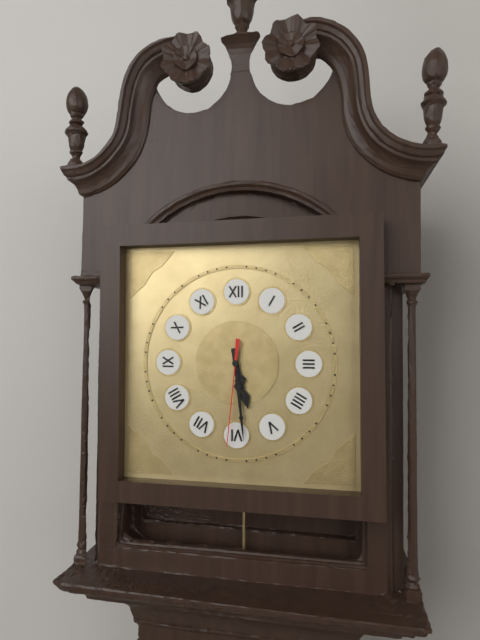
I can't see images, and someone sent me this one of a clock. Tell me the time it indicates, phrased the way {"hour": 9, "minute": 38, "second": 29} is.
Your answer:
{"hour": 5, "minute": 29, "second": 31}
